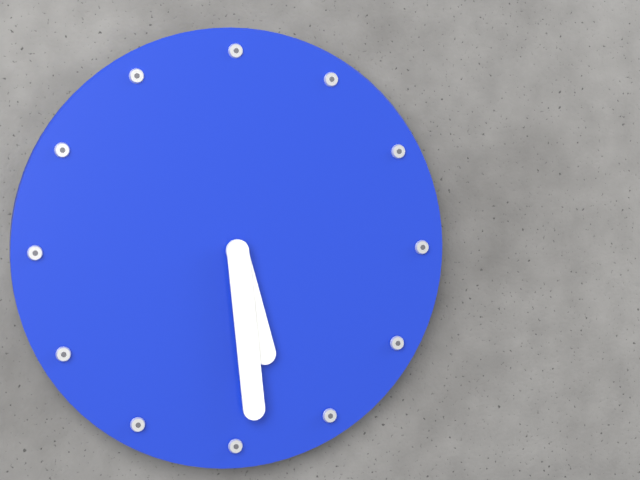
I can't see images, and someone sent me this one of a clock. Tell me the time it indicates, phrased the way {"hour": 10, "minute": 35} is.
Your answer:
{"hour": 5, "minute": 29}
